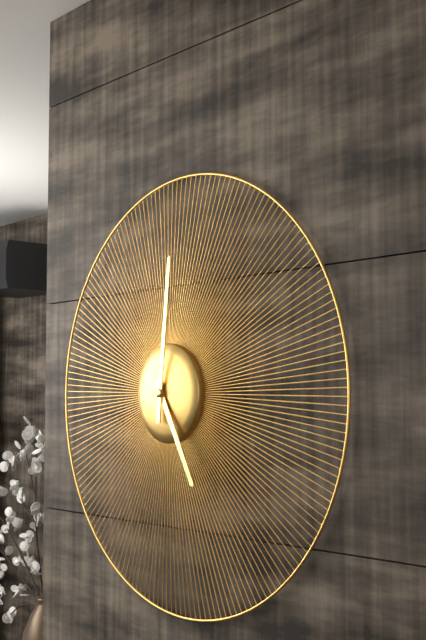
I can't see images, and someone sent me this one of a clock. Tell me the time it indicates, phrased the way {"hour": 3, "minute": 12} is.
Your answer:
{"hour": 5, "minute": 1}
